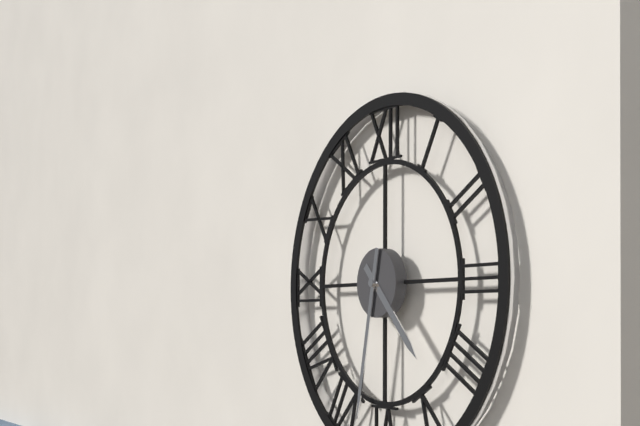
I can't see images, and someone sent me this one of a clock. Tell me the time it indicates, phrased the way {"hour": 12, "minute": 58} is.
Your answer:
{"hour": 4, "minute": 32}
